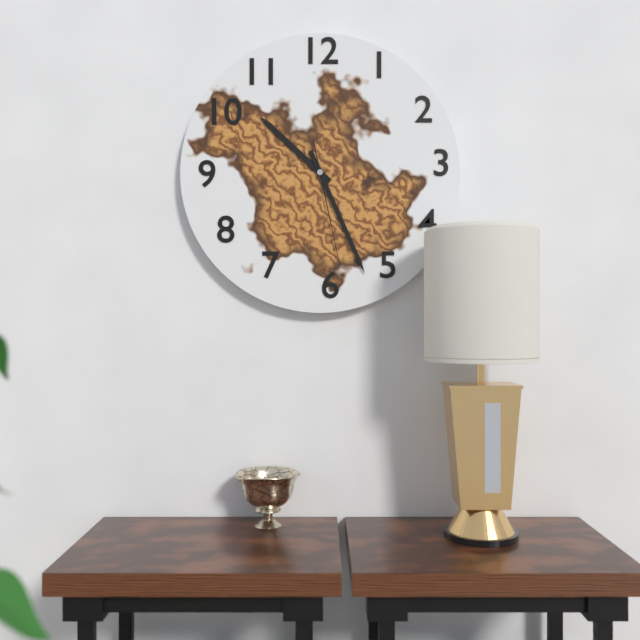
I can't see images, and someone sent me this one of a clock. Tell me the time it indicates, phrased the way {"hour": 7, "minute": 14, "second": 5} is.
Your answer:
{"hour": 10, "minute": 26, "second": 28}
